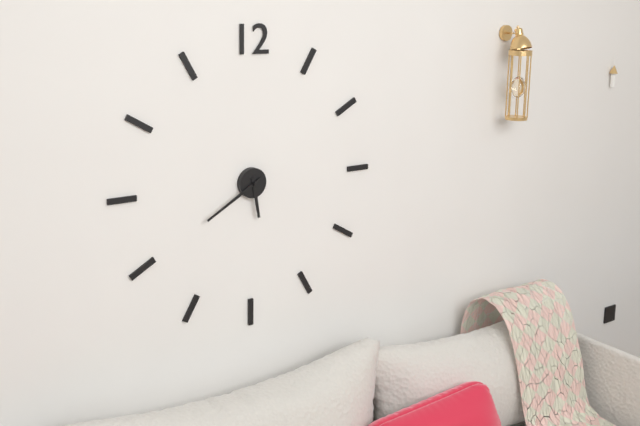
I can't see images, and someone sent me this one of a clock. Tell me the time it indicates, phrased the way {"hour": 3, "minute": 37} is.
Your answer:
{"hour": 5, "minute": 40}
